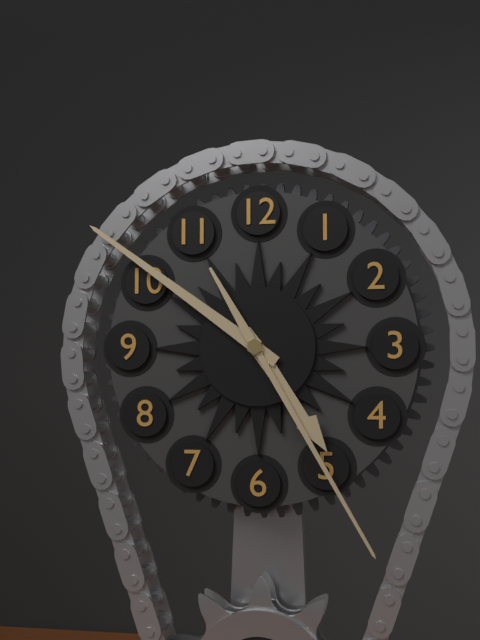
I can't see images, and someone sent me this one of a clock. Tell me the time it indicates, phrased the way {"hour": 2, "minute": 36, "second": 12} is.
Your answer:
{"hour": 4, "minute": 51, "second": 25}
